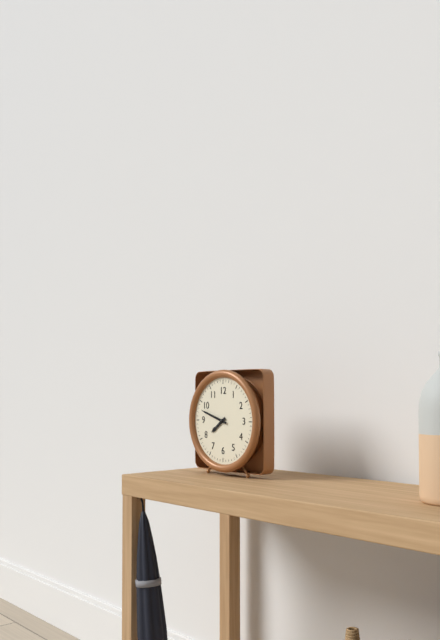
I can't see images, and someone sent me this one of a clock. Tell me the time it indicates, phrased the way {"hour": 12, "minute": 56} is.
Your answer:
{"hour": 7, "minute": 48}
